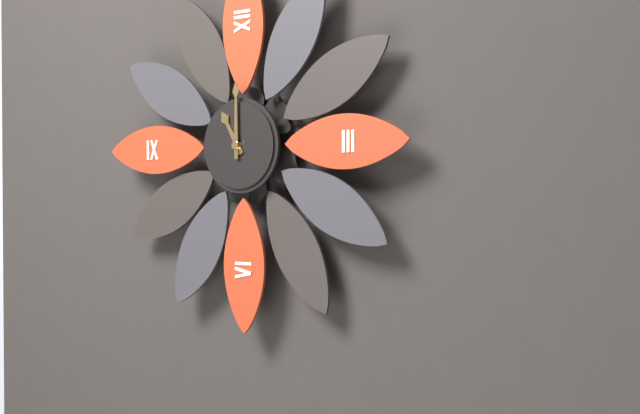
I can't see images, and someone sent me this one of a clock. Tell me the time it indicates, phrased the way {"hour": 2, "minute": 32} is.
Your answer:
{"hour": 11, "minute": 0}
